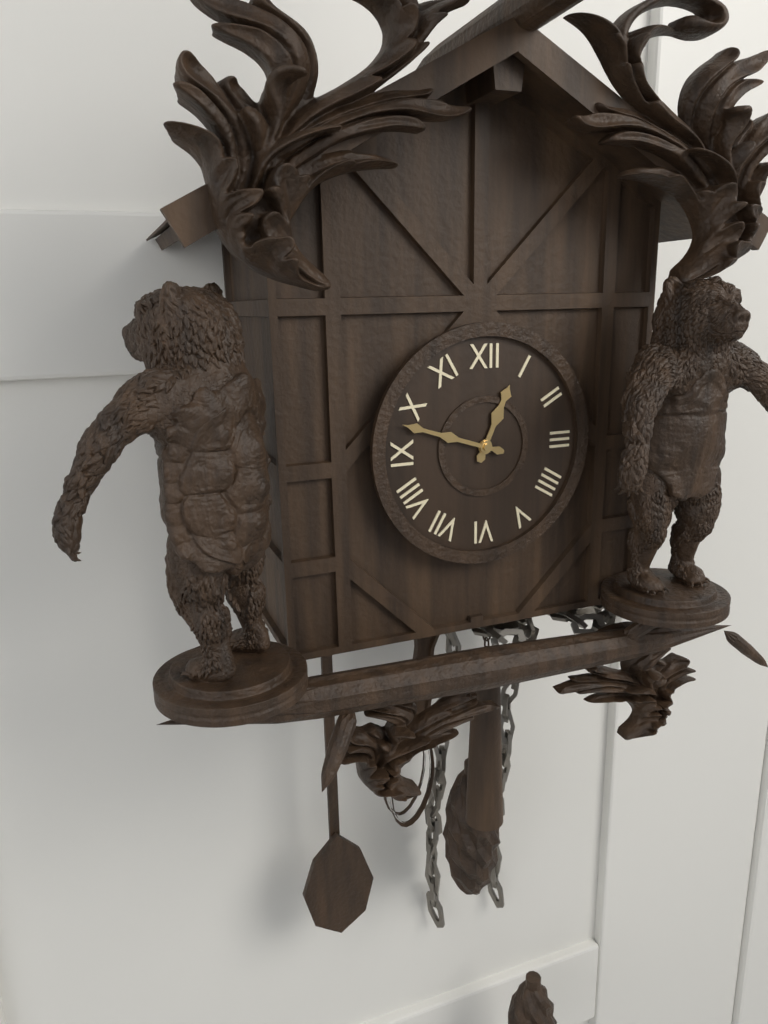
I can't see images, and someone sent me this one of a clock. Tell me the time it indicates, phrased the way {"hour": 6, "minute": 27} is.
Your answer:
{"hour": 12, "minute": 48}
